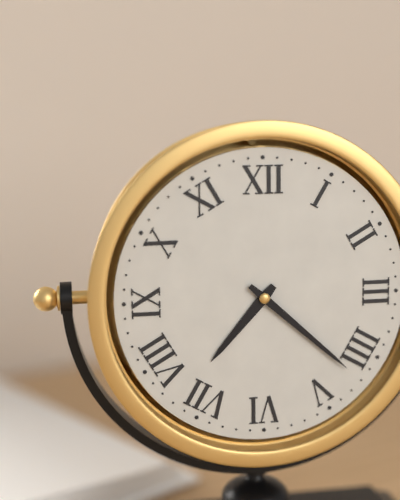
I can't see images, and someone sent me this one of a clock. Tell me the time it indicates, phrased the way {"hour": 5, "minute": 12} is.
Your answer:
{"hour": 7, "minute": 22}
